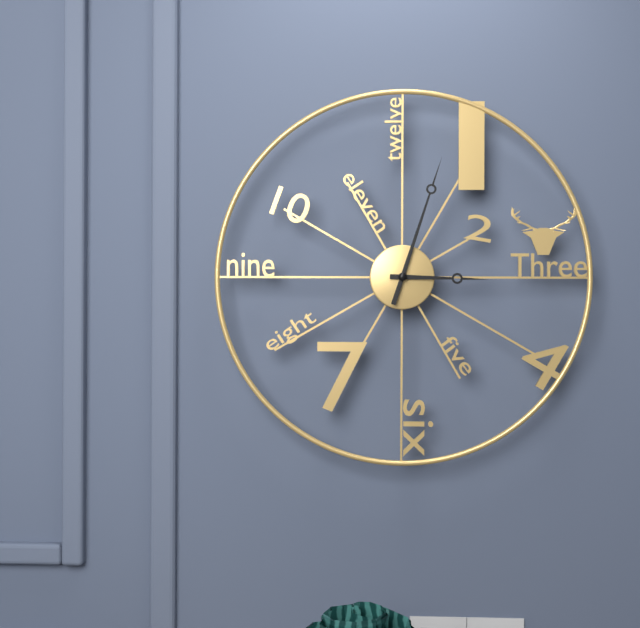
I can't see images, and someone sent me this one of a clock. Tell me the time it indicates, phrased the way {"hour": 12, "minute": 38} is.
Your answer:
{"hour": 3, "minute": 3}
